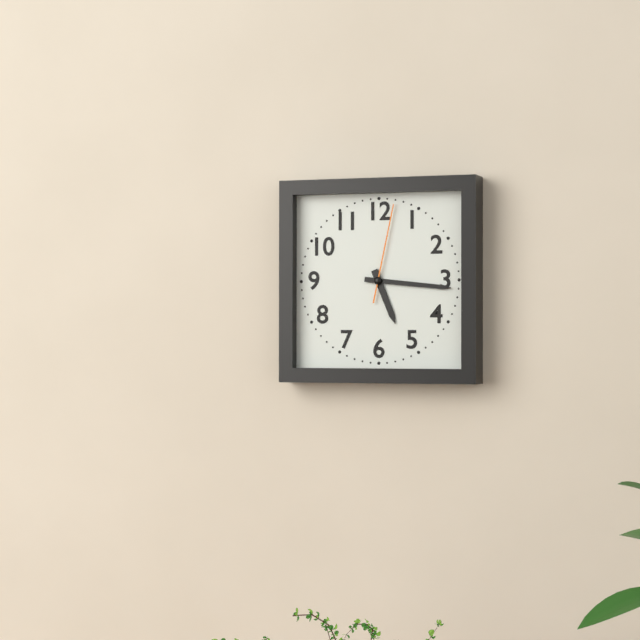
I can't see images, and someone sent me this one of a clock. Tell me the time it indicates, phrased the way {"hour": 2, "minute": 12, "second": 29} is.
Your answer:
{"hour": 5, "minute": 16, "second": 2}
